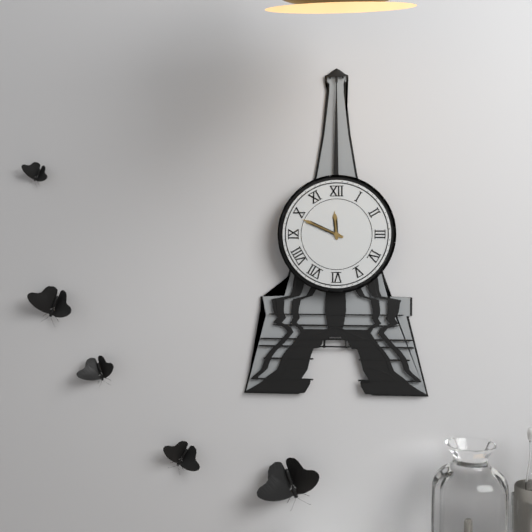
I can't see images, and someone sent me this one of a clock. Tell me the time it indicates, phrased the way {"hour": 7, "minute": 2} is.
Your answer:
{"hour": 11, "minute": 49}
